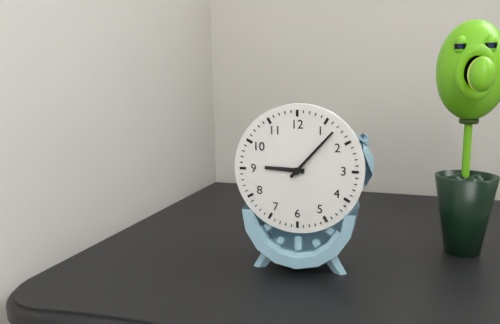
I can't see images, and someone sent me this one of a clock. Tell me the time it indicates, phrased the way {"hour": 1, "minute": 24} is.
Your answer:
{"hour": 9, "minute": 7}
